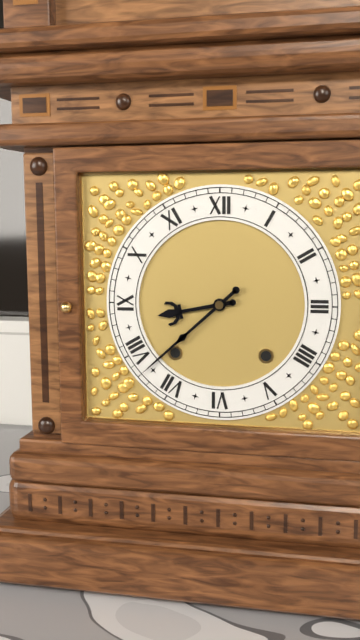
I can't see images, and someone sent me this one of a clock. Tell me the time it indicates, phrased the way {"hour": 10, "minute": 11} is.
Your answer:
{"hour": 8, "minute": 38}
